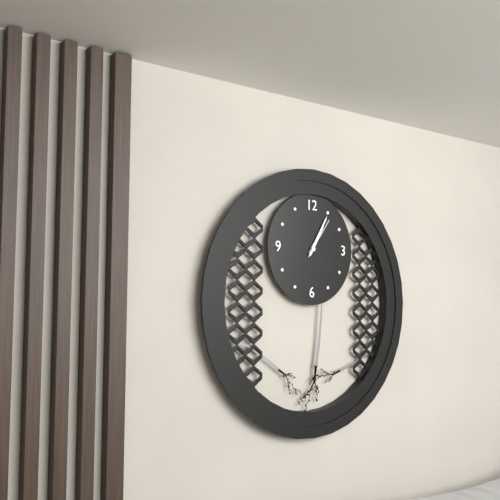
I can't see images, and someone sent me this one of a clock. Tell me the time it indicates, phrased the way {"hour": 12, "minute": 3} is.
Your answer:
{"hour": 1, "minute": 5}
